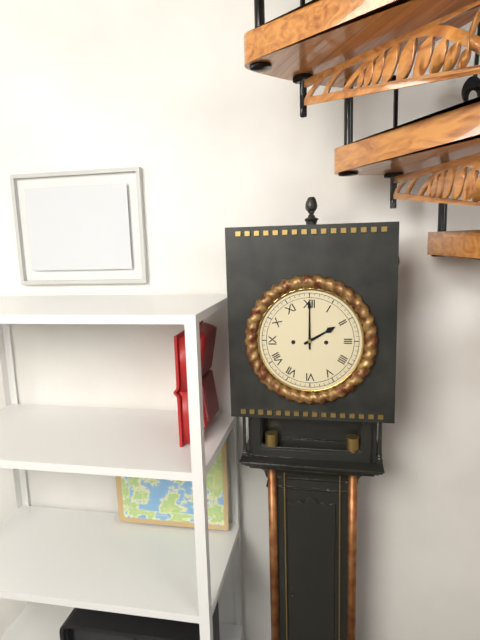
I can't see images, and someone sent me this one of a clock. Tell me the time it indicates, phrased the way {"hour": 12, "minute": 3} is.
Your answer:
{"hour": 2, "minute": 0}
